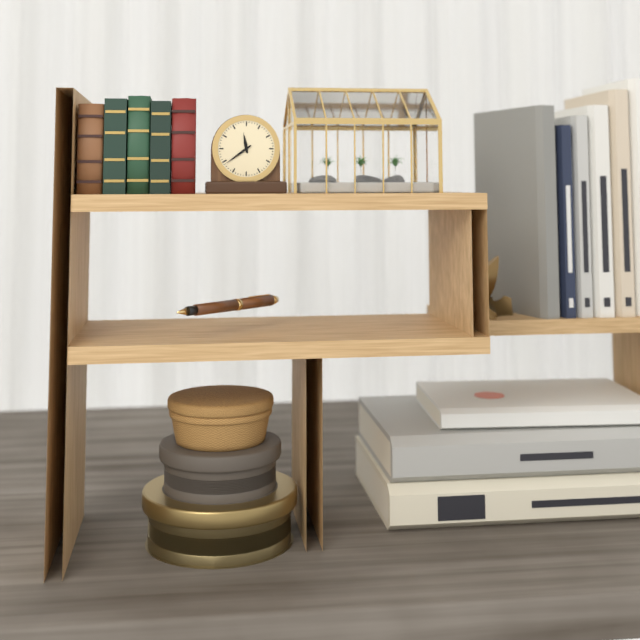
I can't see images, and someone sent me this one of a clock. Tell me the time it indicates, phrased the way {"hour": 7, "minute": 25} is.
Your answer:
{"hour": 11, "minute": 39}
